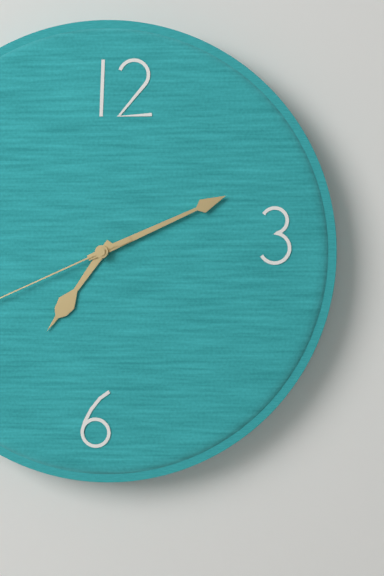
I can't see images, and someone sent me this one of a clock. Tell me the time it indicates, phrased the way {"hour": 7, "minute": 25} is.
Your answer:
{"hour": 7, "minute": 11}
